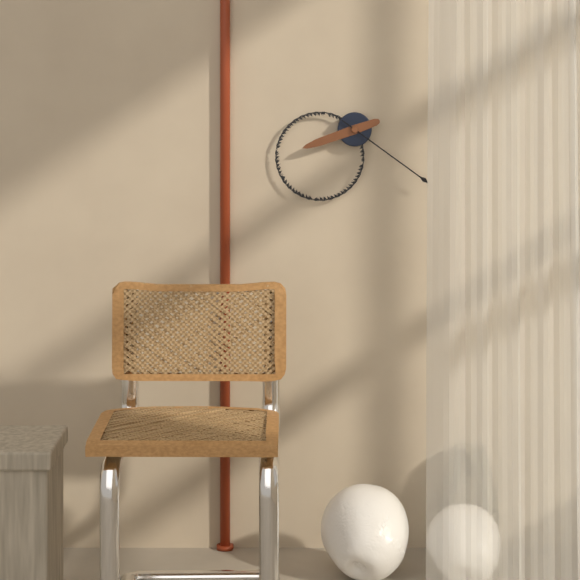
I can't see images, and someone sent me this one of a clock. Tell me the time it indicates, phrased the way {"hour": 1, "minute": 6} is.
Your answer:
{"hour": 8, "minute": 21}
